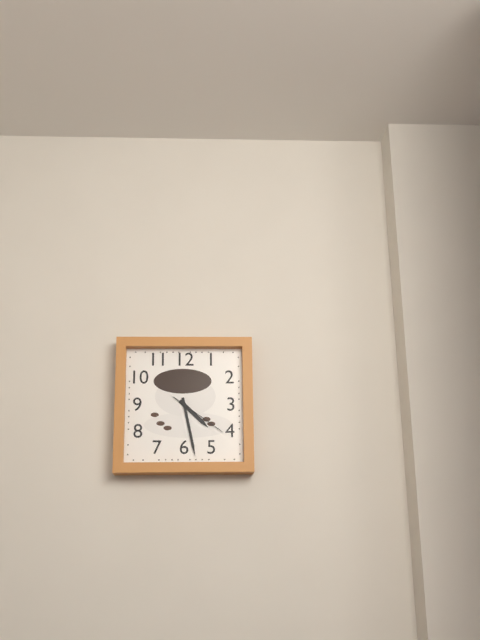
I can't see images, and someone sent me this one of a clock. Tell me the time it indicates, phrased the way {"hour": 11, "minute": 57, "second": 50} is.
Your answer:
{"hour": 4, "minute": 28, "second": 21}
